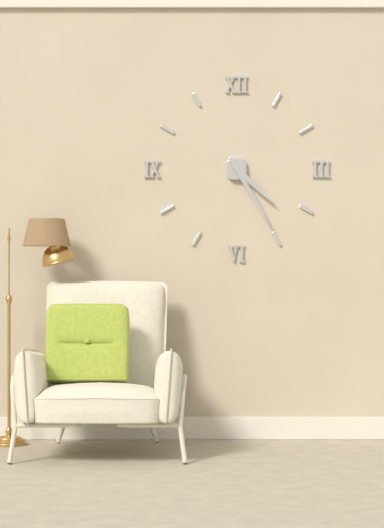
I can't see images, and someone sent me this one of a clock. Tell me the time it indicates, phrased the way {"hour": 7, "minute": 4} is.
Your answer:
{"hour": 4, "minute": 25}
